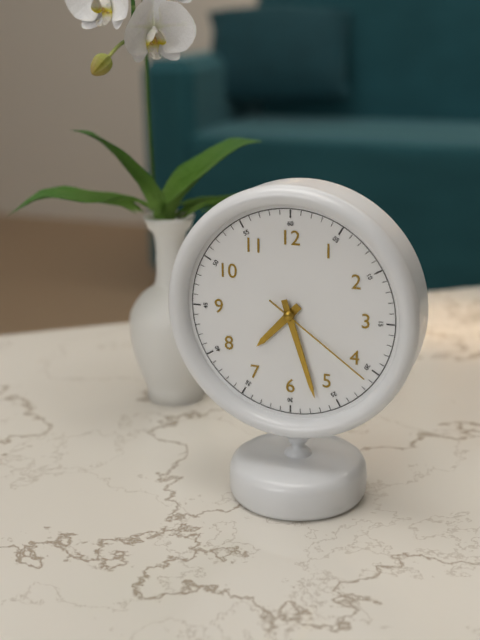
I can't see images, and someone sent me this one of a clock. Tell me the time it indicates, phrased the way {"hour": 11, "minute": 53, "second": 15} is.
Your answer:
{"hour": 7, "minute": 27, "second": 21}
